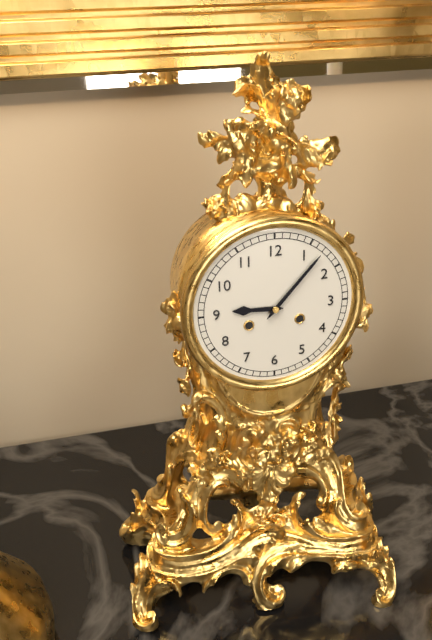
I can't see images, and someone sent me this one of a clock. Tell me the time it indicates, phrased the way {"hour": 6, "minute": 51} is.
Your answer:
{"hour": 9, "minute": 7}
